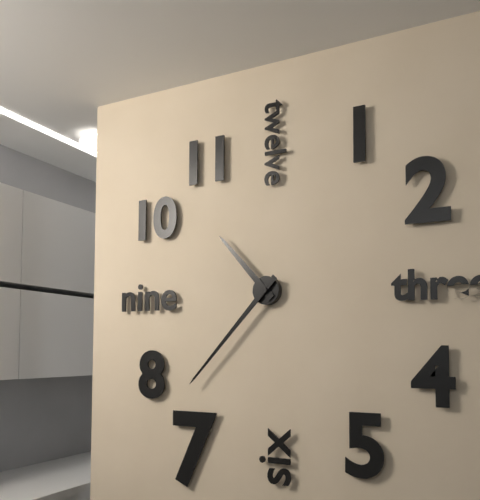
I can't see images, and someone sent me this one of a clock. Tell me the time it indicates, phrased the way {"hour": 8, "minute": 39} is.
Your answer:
{"hour": 10, "minute": 37}
